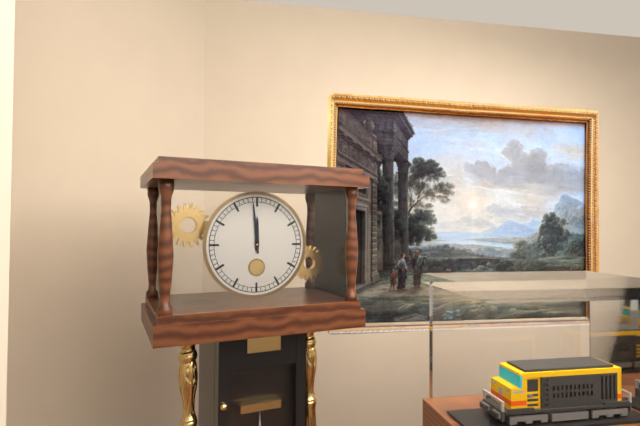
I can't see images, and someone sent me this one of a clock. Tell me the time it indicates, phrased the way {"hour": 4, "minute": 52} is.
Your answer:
{"hour": 11, "minute": 59}
